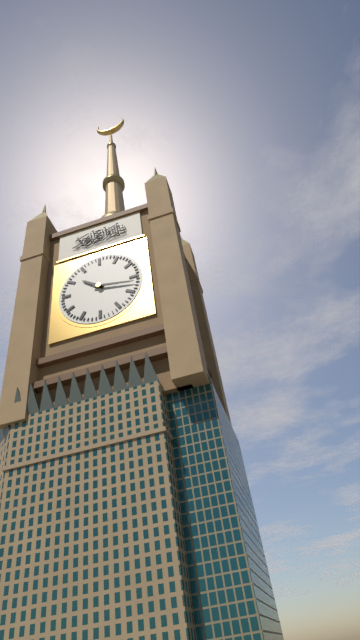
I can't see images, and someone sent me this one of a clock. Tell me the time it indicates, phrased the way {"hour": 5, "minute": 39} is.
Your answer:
{"hour": 10, "minute": 17}
